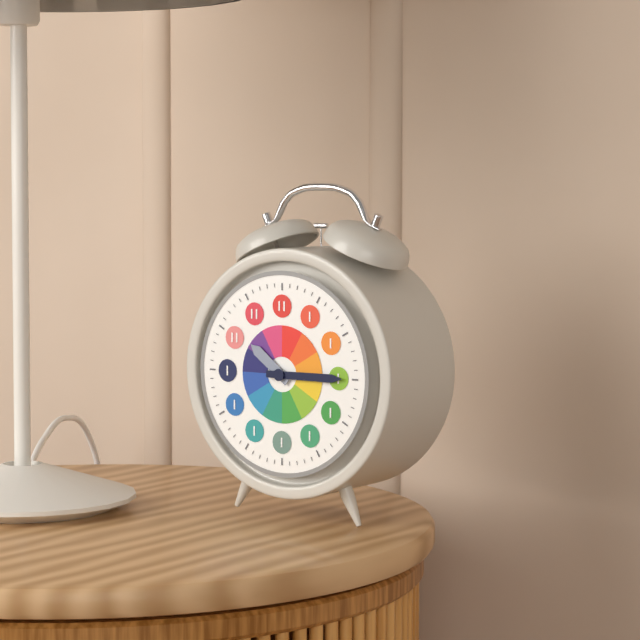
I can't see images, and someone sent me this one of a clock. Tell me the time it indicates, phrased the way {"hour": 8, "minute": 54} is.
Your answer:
{"hour": 10, "minute": 15}
